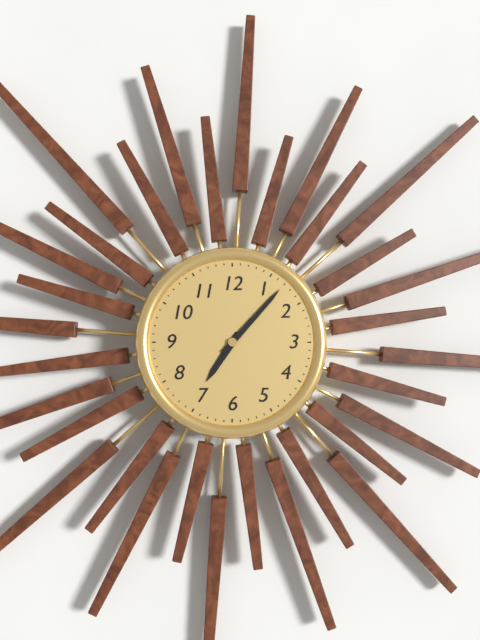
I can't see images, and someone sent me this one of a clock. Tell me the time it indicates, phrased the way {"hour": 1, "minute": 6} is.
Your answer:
{"hour": 7, "minute": 7}
